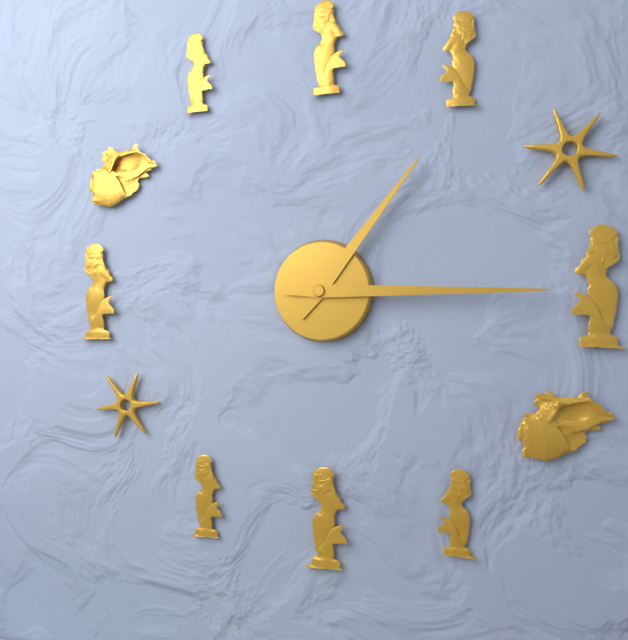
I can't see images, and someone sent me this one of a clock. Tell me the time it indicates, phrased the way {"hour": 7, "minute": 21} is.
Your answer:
{"hour": 1, "minute": 15}
